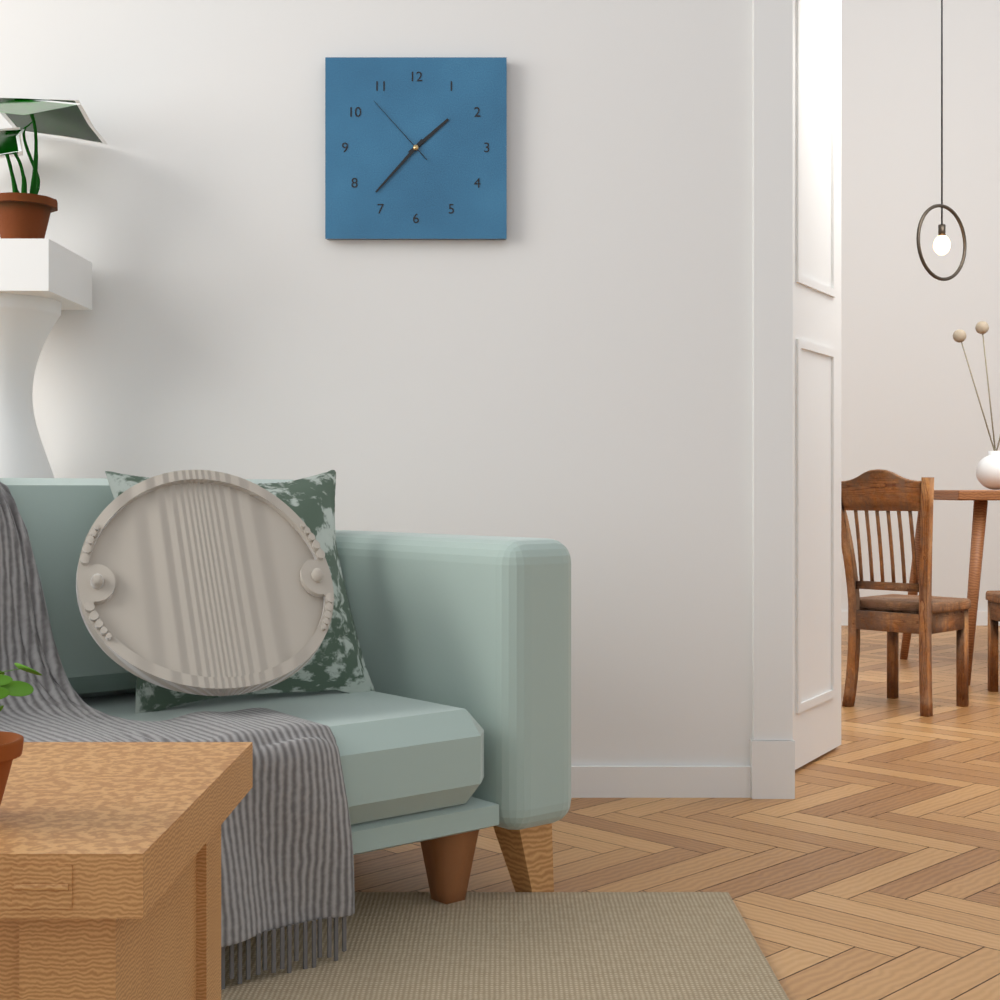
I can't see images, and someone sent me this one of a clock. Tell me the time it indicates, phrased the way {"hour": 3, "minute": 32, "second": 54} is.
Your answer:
{"hour": 1, "minute": 37, "second": 53}
